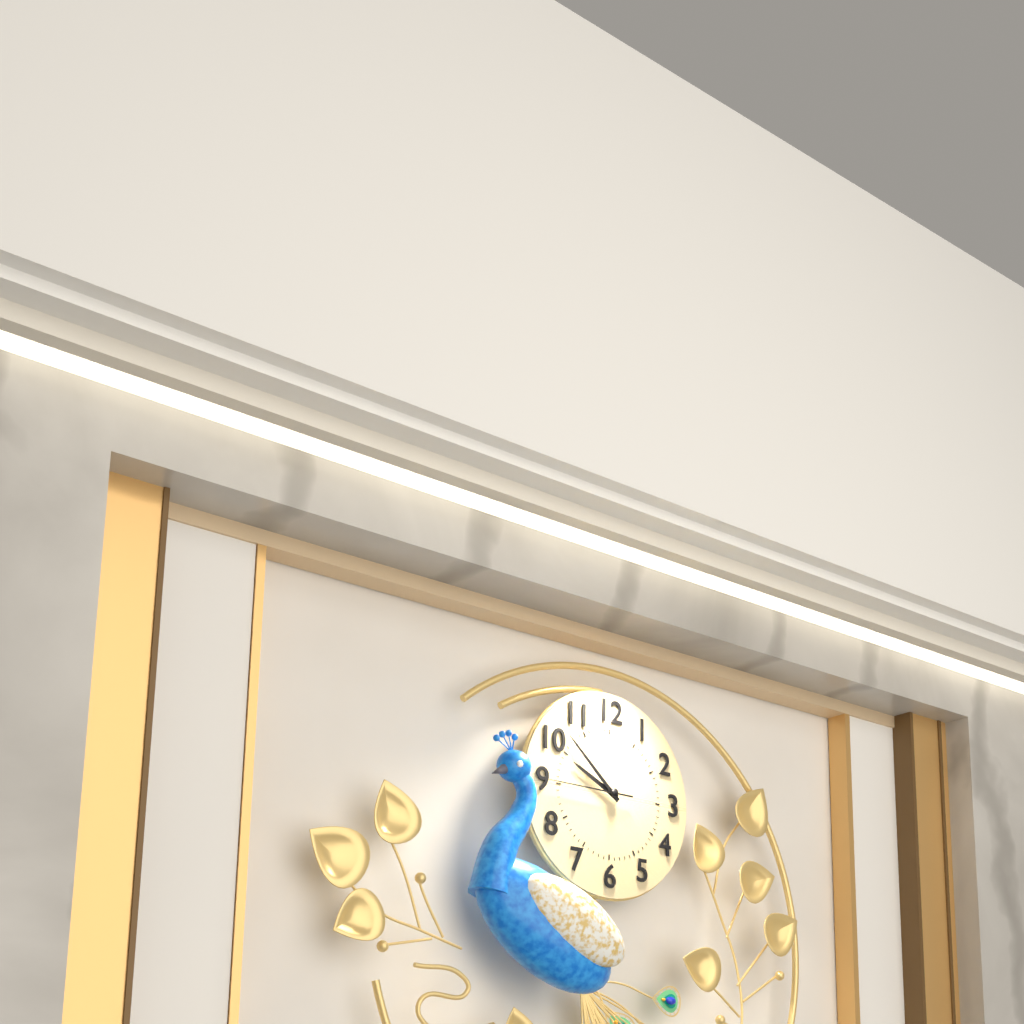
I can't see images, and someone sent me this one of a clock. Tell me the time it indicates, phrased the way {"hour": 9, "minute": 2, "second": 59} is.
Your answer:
{"hour": 9, "minute": 52, "second": 45}
